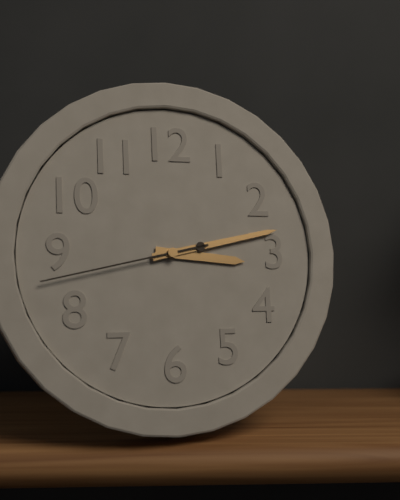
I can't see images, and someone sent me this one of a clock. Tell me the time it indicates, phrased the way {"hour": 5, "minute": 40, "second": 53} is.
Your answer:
{"hour": 3, "minute": 13, "second": 43}
